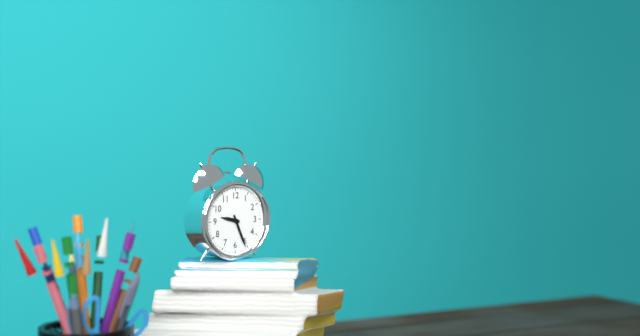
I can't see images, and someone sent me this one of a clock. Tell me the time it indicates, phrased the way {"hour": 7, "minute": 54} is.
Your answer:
{"hour": 9, "minute": 26}
